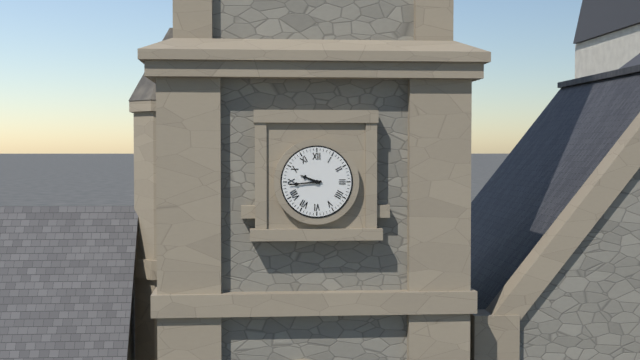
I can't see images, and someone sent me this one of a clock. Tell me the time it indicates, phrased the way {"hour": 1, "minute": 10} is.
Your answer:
{"hour": 9, "minute": 44}
